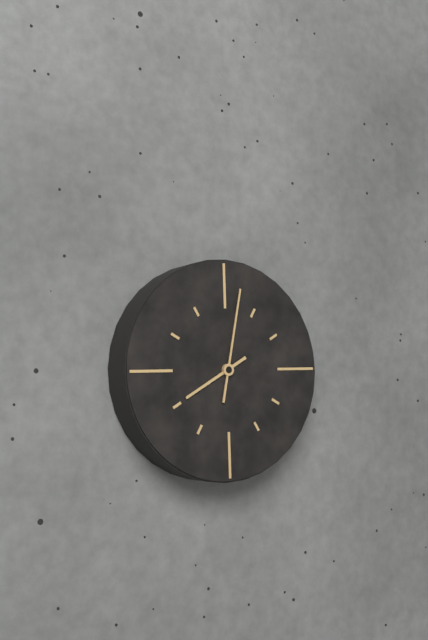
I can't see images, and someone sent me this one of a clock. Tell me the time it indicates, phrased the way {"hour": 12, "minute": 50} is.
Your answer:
{"hour": 8, "minute": 2}
